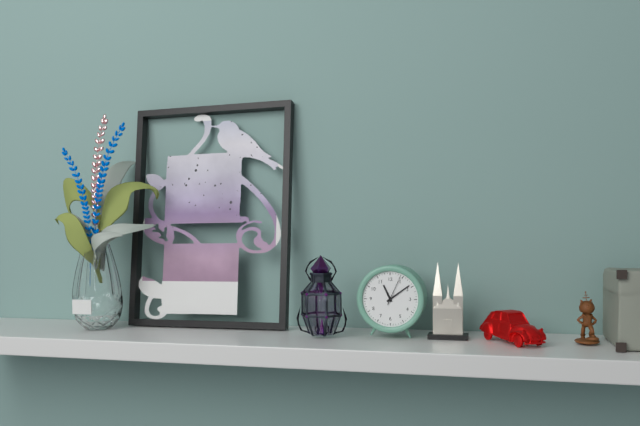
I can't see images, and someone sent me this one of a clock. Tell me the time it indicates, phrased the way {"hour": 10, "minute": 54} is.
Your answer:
{"hour": 11, "minute": 9}
